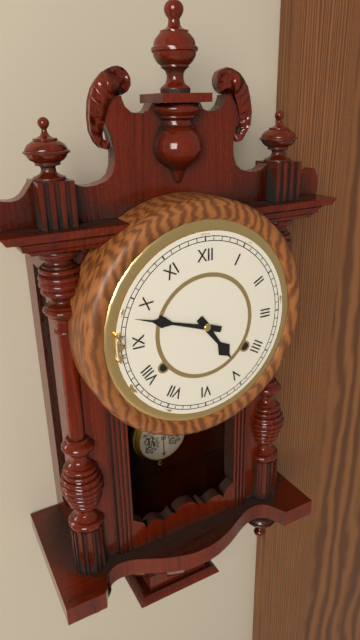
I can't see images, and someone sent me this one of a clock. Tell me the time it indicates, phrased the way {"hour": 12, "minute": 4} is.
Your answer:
{"hour": 4, "minute": 48}
